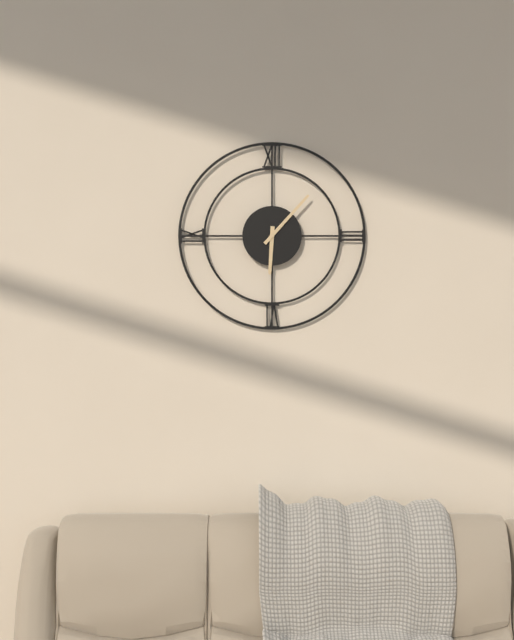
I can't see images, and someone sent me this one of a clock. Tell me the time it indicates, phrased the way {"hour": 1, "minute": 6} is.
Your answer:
{"hour": 6, "minute": 7}
